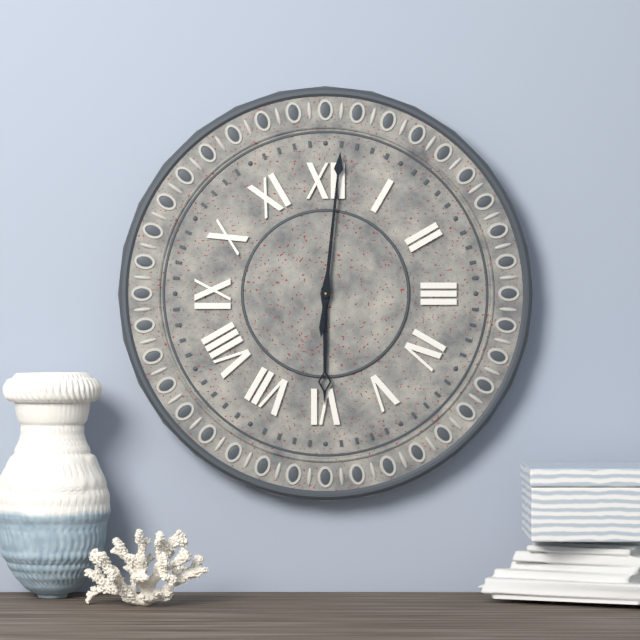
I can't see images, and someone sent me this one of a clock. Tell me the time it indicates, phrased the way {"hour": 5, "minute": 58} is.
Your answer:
{"hour": 6, "minute": 1}
